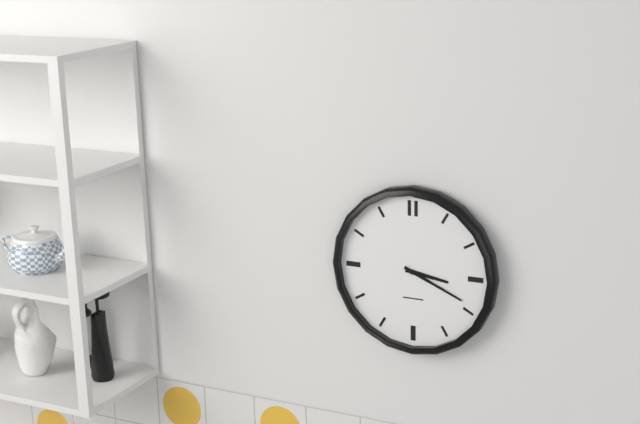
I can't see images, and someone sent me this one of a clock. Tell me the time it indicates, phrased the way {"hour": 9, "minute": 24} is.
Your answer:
{"hour": 3, "minute": 19}
